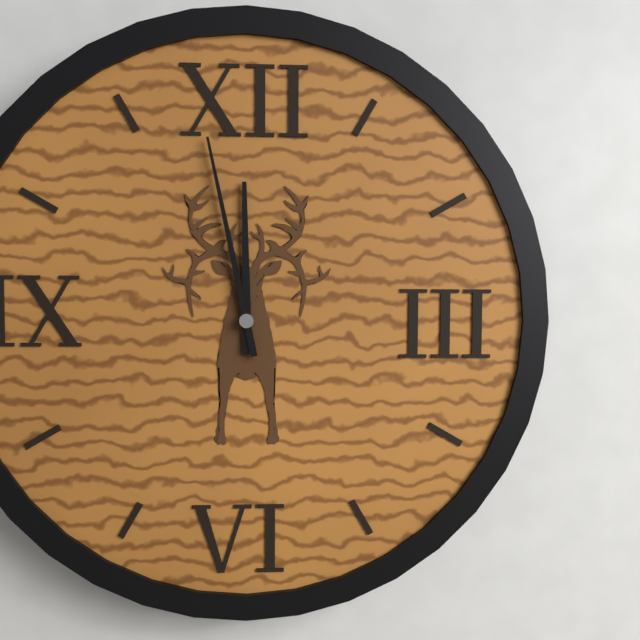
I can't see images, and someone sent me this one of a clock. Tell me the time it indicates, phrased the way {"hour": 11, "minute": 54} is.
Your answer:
{"hour": 11, "minute": 58}
